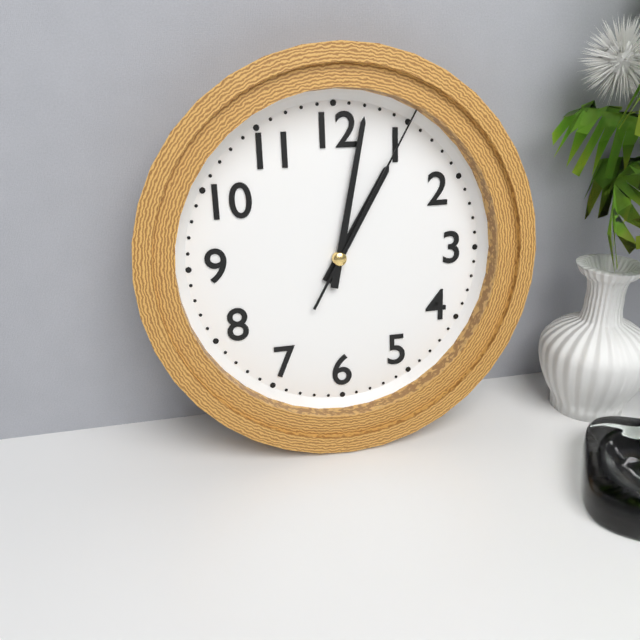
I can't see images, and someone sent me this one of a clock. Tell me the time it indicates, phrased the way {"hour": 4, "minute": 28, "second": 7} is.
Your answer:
{"hour": 1, "minute": 2, "second": 5}
